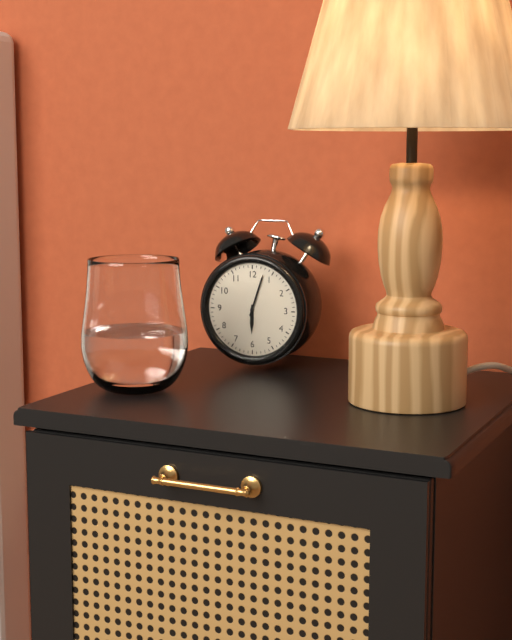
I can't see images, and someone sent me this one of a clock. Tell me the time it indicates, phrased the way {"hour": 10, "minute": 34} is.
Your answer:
{"hour": 6, "minute": 3}
